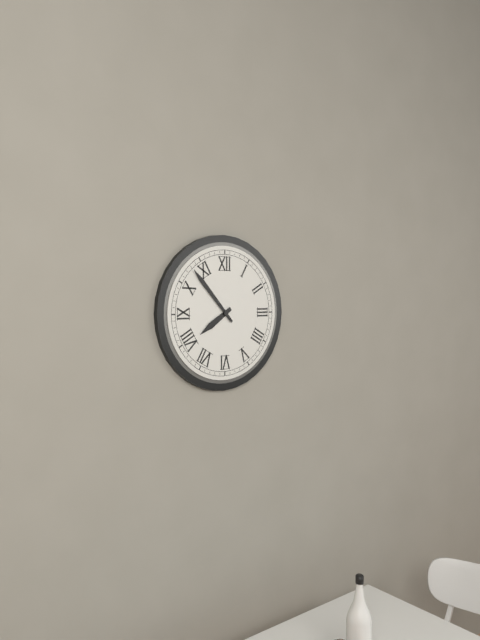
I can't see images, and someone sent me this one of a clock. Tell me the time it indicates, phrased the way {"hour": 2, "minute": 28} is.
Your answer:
{"hour": 7, "minute": 53}
